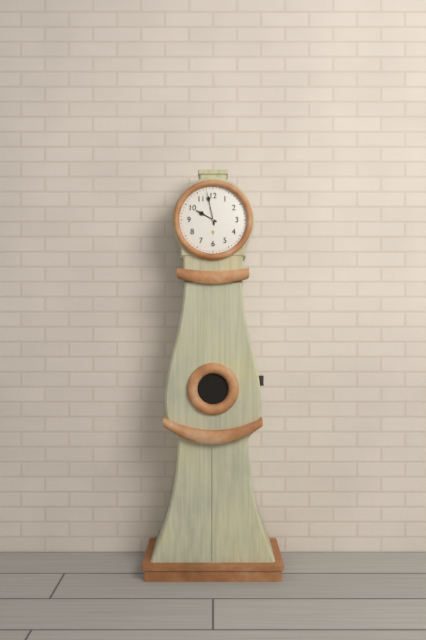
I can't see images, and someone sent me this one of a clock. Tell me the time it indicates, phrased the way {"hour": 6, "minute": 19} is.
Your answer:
{"hour": 9, "minute": 58}
